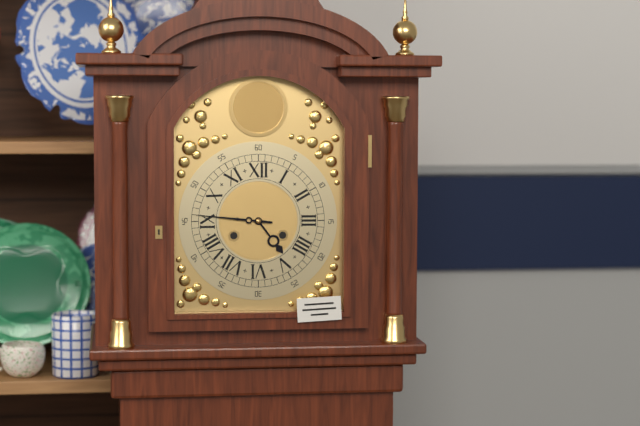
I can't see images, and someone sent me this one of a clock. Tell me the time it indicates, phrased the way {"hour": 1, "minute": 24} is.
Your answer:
{"hour": 4, "minute": 46}
